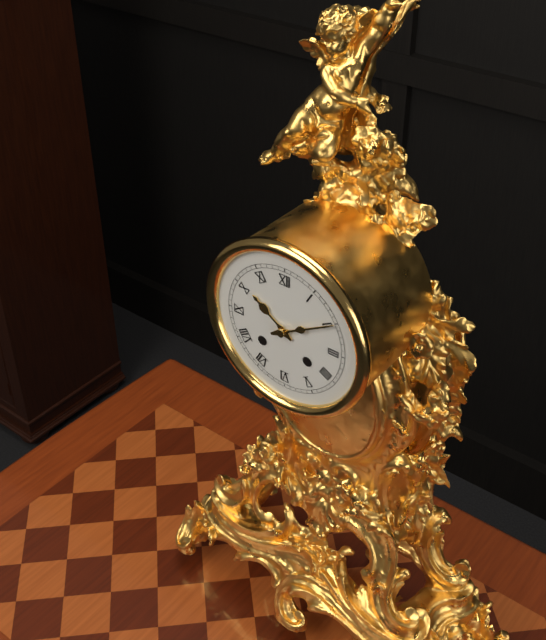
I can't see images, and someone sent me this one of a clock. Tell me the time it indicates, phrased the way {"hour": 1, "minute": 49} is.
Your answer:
{"hour": 10, "minute": 10}
